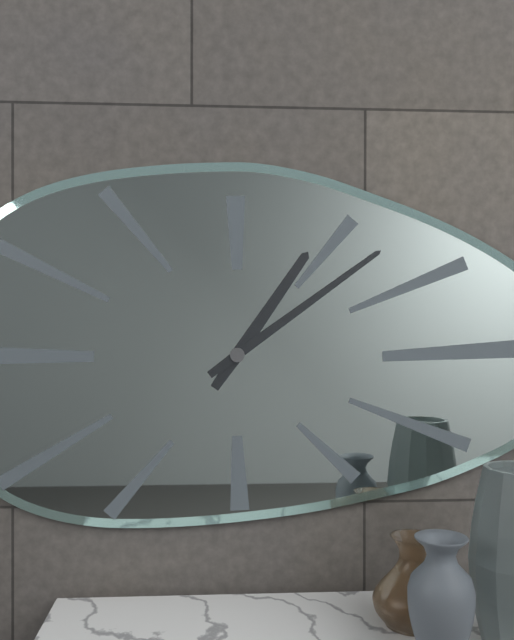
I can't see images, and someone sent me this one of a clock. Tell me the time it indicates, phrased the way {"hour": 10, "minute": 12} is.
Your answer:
{"hour": 1, "minute": 9}
